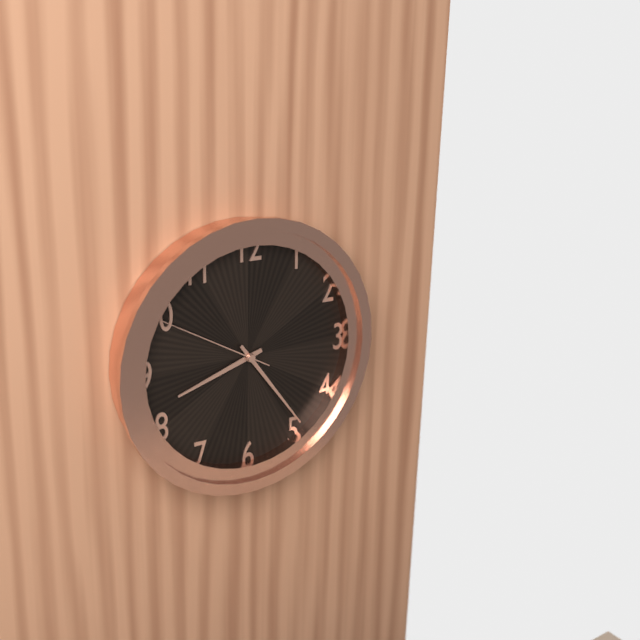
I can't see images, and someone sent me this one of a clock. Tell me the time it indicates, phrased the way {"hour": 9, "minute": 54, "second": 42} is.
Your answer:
{"hour": 8, "minute": 24, "second": 50}
